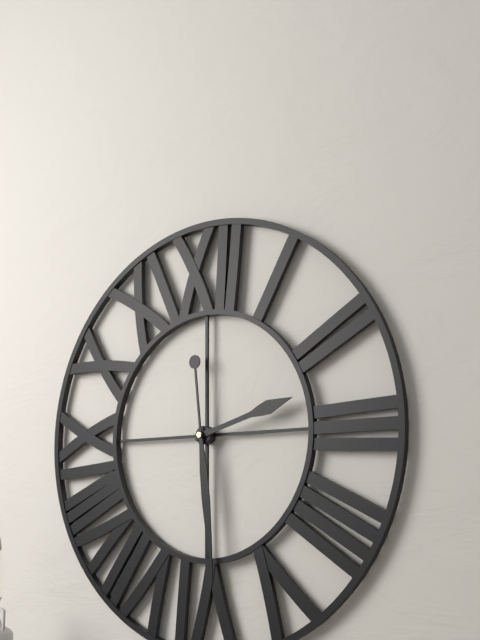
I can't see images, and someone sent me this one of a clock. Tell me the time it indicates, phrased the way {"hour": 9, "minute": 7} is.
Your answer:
{"hour": 2, "minute": 29}
